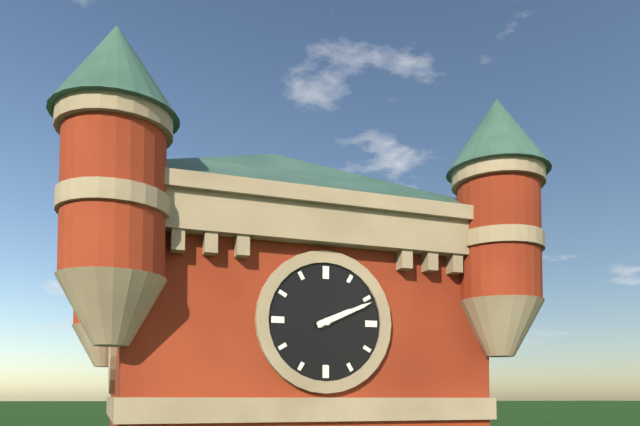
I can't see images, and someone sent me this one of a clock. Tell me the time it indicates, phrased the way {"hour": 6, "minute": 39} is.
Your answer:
{"hour": 2, "minute": 11}
